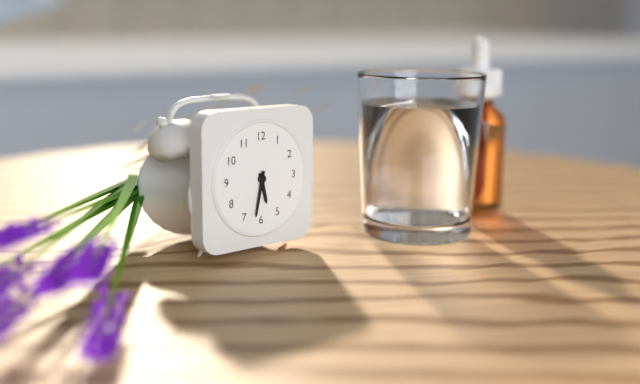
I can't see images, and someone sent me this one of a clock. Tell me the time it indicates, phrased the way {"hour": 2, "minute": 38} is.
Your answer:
{"hour": 5, "minute": 32}
